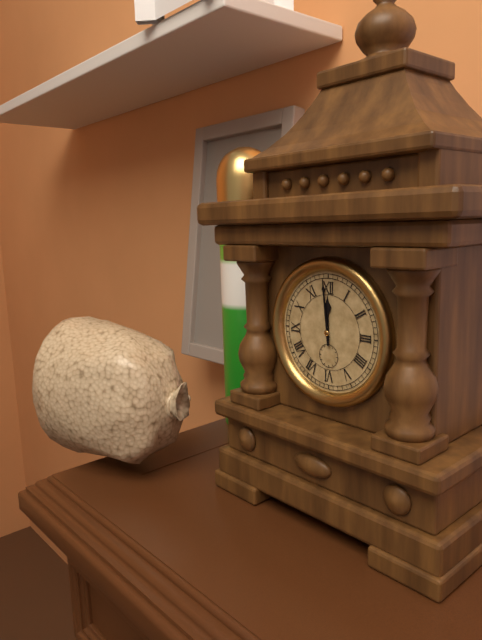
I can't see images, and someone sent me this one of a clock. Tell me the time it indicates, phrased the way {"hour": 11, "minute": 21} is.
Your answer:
{"hour": 11, "minute": 59}
